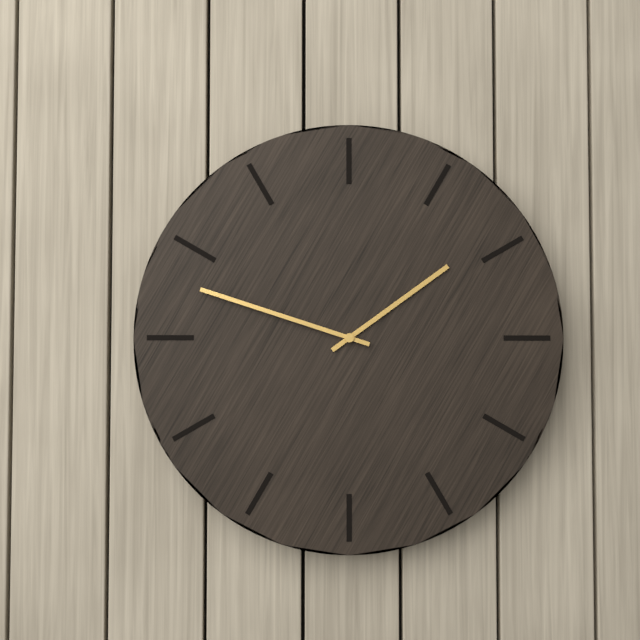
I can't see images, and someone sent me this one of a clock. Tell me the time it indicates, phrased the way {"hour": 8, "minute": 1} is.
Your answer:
{"hour": 1, "minute": 48}
